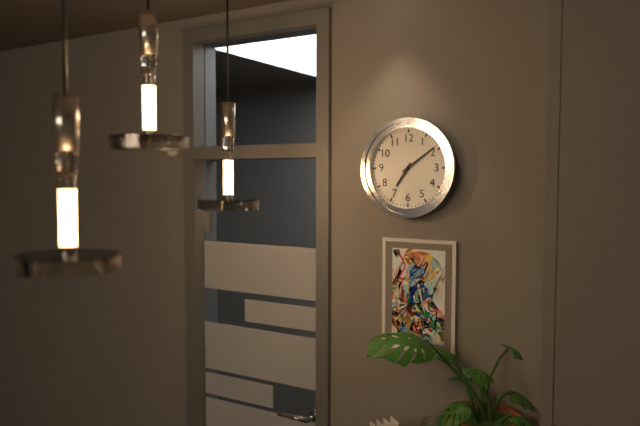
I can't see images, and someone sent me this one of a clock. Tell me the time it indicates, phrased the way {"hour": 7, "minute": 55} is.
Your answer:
{"hour": 7, "minute": 9}
